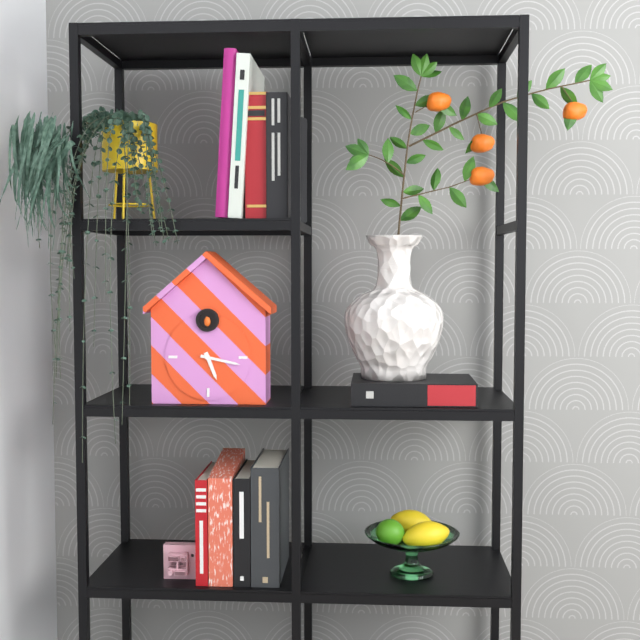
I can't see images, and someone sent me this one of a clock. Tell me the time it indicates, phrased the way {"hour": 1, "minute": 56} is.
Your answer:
{"hour": 5, "minute": 17}
